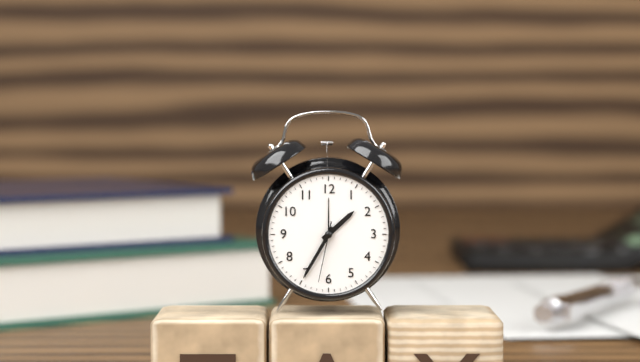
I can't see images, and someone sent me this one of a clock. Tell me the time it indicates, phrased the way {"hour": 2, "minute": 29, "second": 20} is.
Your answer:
{"hour": 1, "minute": 35, "second": 32}
